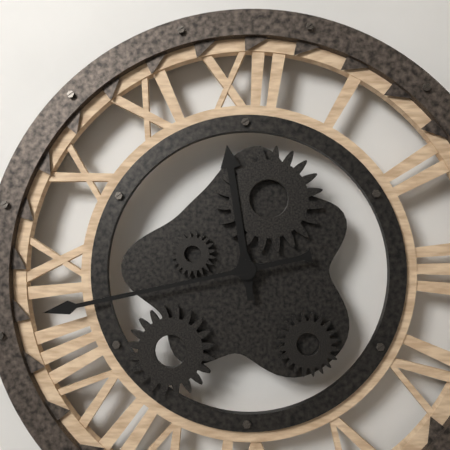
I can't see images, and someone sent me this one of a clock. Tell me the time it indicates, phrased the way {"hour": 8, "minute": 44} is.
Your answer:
{"hour": 11, "minute": 43}
